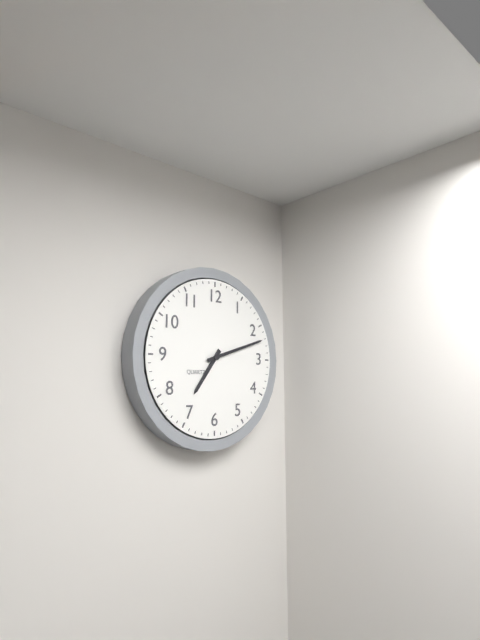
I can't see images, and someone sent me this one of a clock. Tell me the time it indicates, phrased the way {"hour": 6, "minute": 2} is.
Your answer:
{"hour": 7, "minute": 12}
